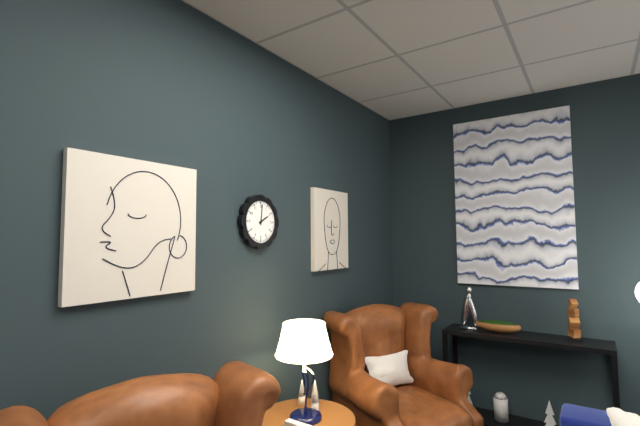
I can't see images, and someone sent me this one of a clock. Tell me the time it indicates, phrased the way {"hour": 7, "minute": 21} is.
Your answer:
{"hour": 2, "minute": 1}
